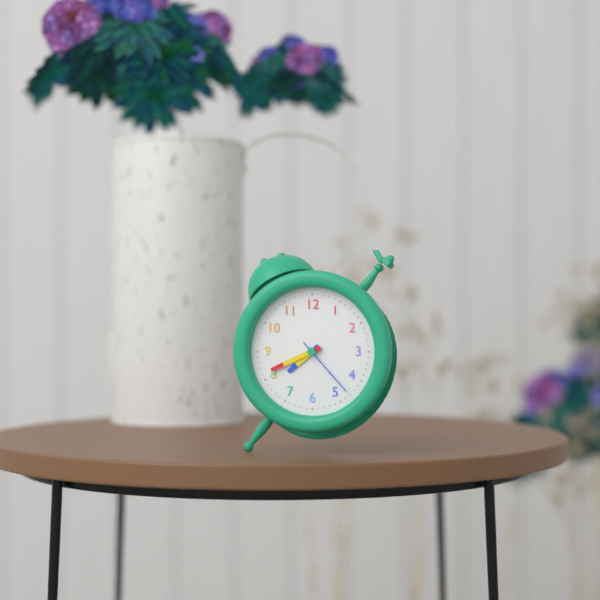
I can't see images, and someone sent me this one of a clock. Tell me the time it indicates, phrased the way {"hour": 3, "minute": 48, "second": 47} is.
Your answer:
{"hour": 7, "minute": 41, "second": 23}
